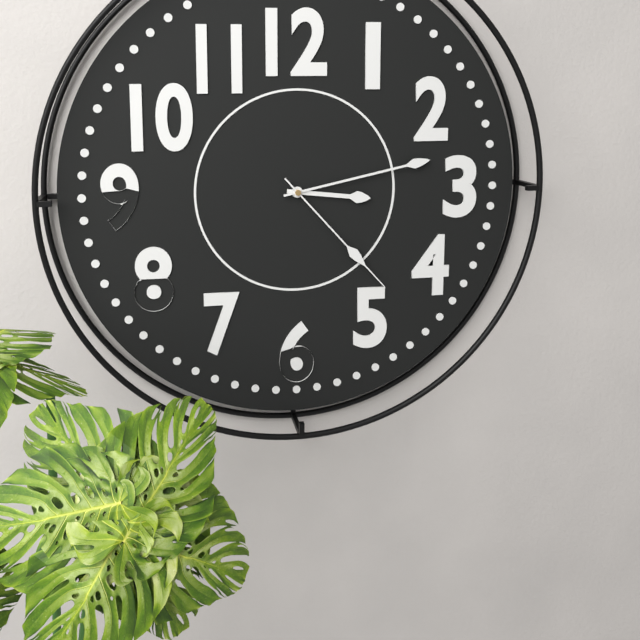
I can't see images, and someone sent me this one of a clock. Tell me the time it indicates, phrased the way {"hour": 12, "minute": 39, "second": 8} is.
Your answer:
{"hour": 3, "minute": 13, "second": 23}
